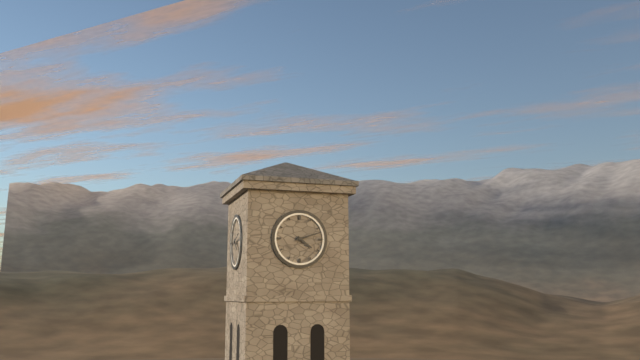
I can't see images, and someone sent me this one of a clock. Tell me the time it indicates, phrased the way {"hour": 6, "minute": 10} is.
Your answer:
{"hour": 4, "minute": 12}
